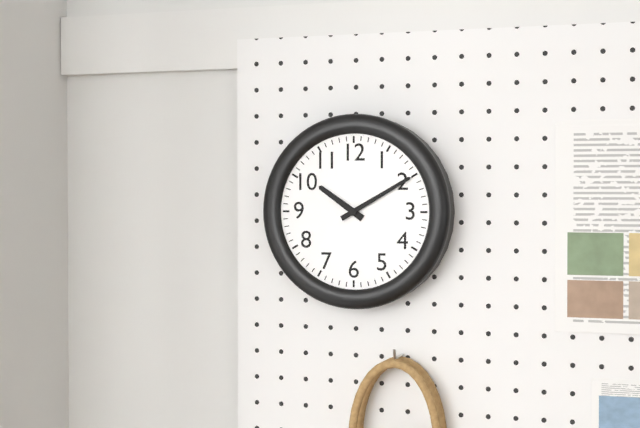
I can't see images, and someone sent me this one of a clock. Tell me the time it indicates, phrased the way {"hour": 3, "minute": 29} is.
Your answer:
{"hour": 10, "minute": 10}
